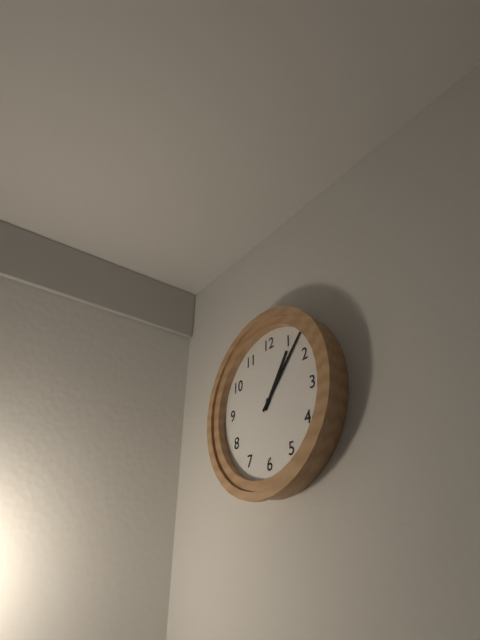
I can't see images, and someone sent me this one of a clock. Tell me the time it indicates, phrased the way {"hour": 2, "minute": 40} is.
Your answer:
{"hour": 1, "minute": 7}
